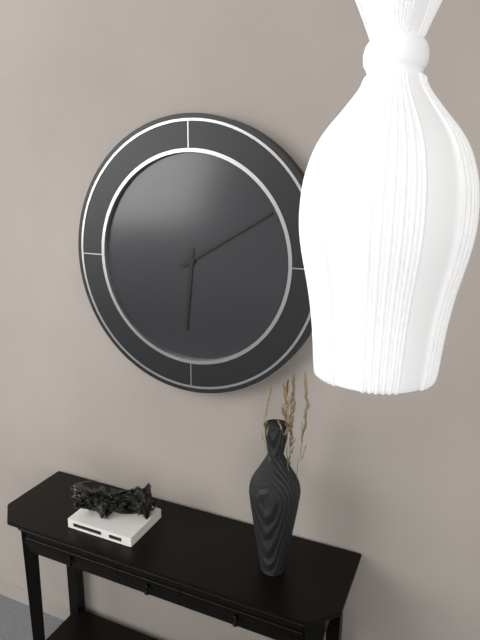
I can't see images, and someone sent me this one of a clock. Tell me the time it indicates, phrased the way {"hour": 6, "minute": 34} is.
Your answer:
{"hour": 6, "minute": 10}
